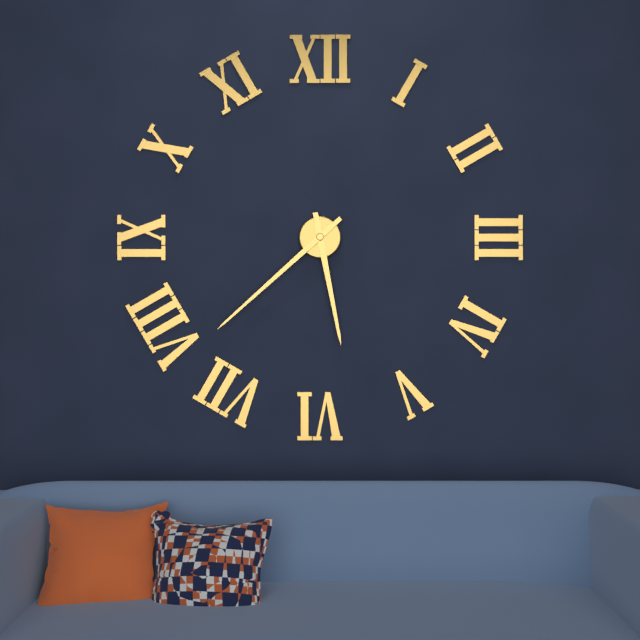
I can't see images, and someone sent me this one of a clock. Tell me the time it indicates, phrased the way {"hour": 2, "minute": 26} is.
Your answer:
{"hour": 5, "minute": 38}
